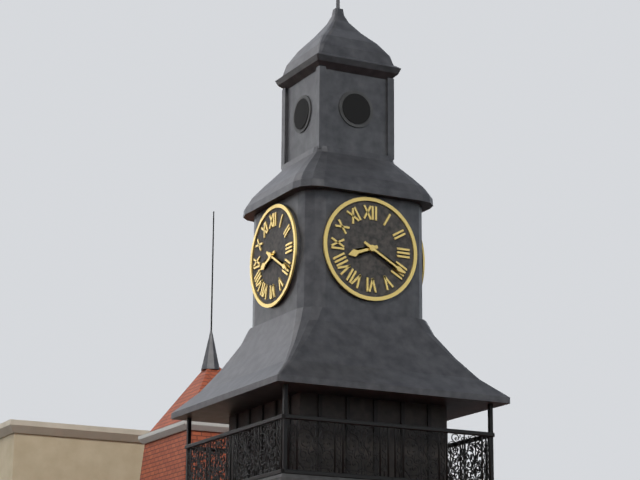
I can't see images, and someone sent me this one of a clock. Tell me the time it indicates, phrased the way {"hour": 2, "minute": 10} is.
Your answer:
{"hour": 8, "minute": 20}
